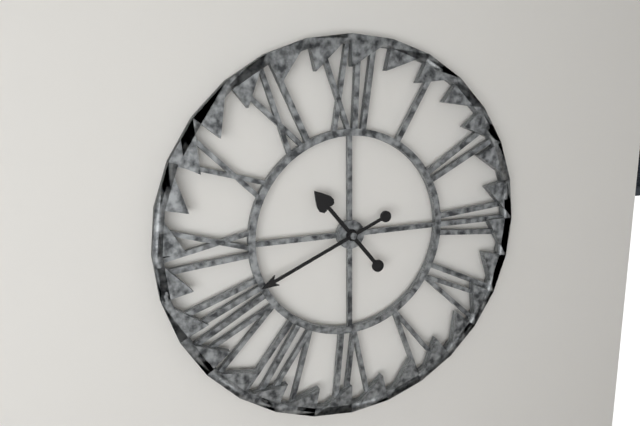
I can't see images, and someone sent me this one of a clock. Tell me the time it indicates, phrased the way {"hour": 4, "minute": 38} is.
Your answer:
{"hour": 10, "minute": 41}
